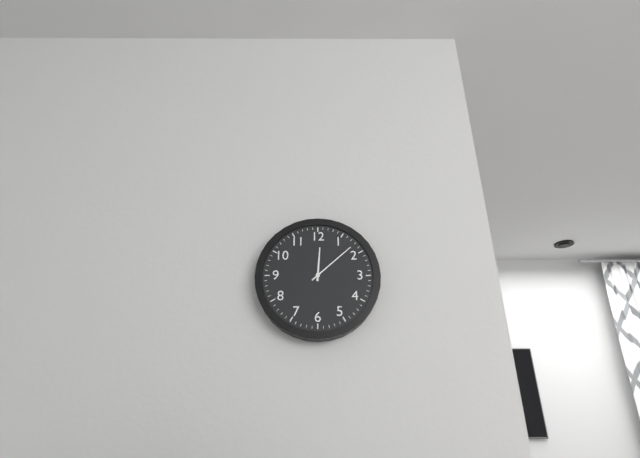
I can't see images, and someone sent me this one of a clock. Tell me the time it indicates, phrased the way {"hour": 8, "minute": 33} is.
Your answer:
{"hour": 12, "minute": 8}
